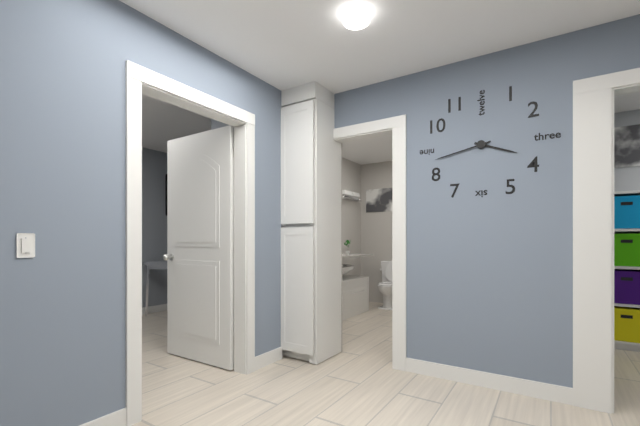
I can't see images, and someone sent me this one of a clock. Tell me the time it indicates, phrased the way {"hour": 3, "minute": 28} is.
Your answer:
{"hour": 3, "minute": 43}
